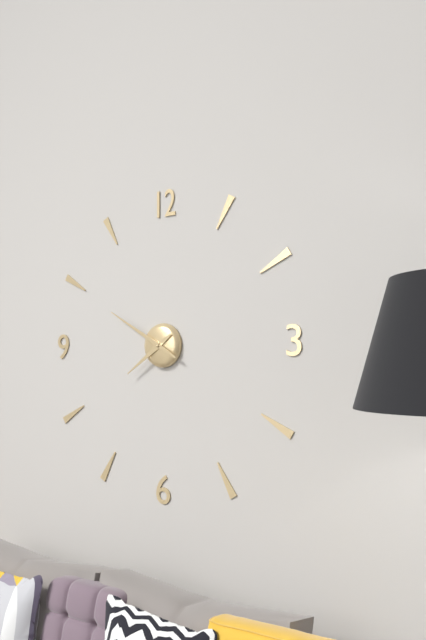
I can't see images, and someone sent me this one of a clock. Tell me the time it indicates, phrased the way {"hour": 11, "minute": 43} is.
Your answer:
{"hour": 7, "minute": 50}
